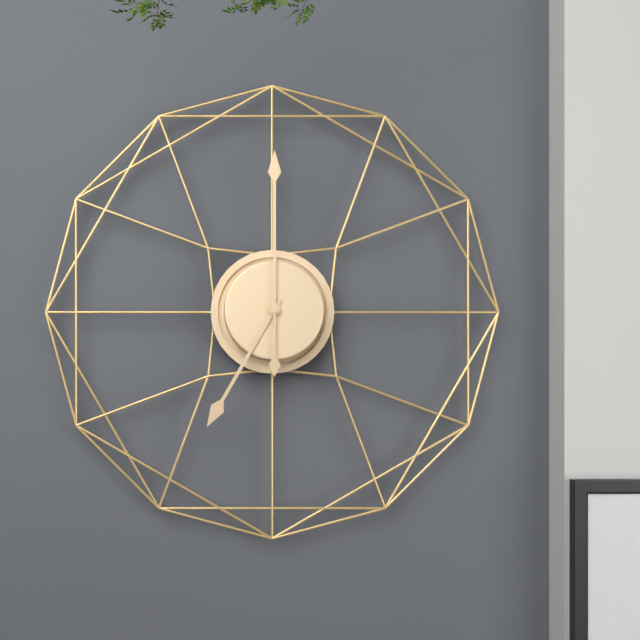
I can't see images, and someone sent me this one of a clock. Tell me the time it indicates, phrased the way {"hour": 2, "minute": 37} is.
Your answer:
{"hour": 7, "minute": 0}
